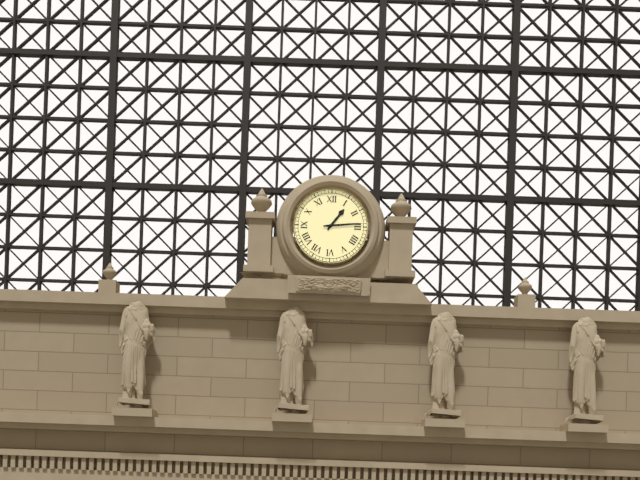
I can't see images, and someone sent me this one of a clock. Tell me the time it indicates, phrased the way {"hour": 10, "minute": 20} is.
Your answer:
{"hour": 1, "minute": 14}
